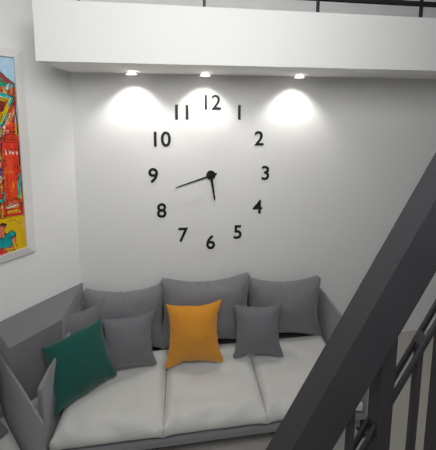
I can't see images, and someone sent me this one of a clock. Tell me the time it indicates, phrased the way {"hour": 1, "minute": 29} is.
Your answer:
{"hour": 5, "minute": 42}
